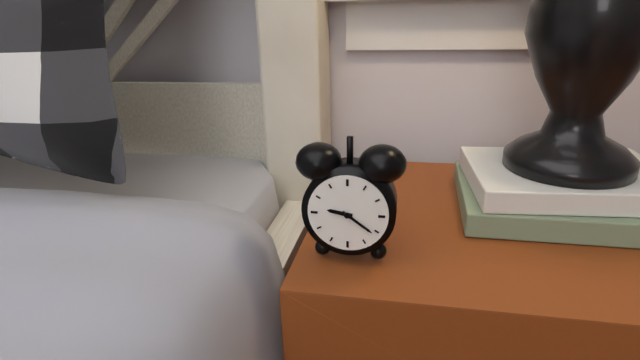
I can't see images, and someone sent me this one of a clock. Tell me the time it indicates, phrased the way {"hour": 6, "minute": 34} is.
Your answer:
{"hour": 9, "minute": 21}
